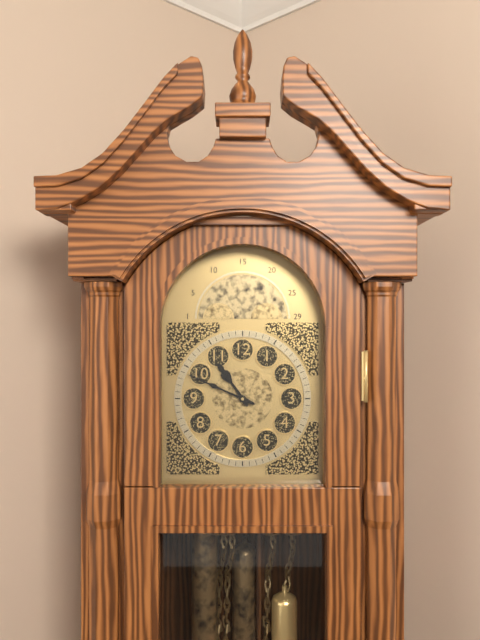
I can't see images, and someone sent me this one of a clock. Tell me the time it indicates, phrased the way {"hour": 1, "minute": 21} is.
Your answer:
{"hour": 10, "minute": 49}
